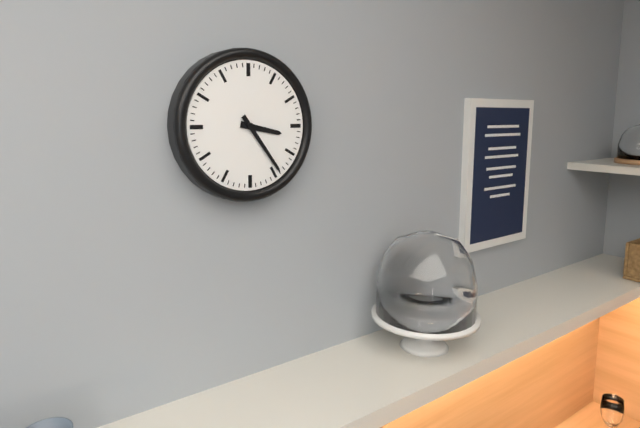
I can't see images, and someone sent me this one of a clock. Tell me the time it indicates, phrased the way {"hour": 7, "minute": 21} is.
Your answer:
{"hour": 3, "minute": 24}
